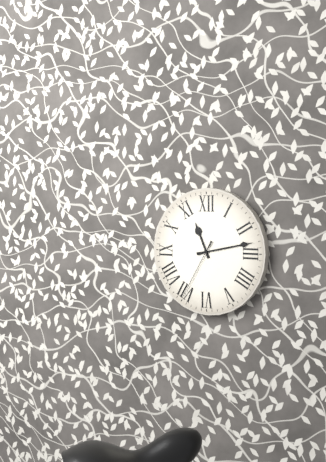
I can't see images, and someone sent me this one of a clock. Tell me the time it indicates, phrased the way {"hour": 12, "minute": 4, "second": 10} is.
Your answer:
{"hour": 11, "minute": 13, "second": 35}
